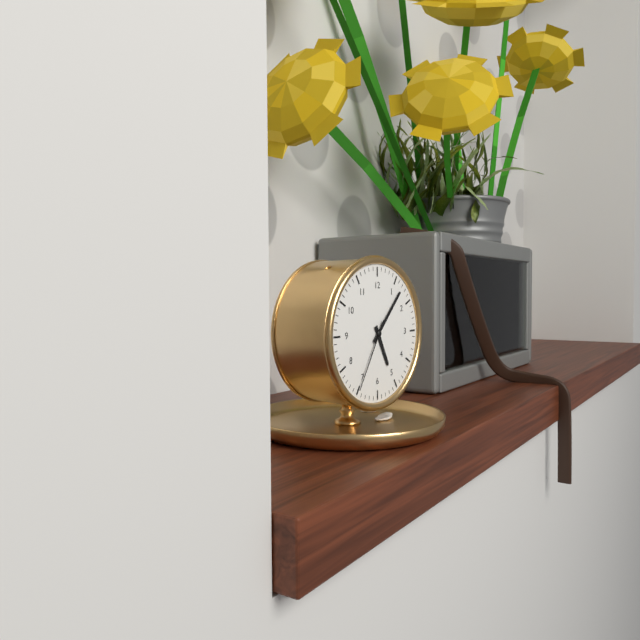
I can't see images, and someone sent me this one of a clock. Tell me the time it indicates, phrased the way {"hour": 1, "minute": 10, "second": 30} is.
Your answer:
{"hour": 5, "minute": 7, "second": 35}
